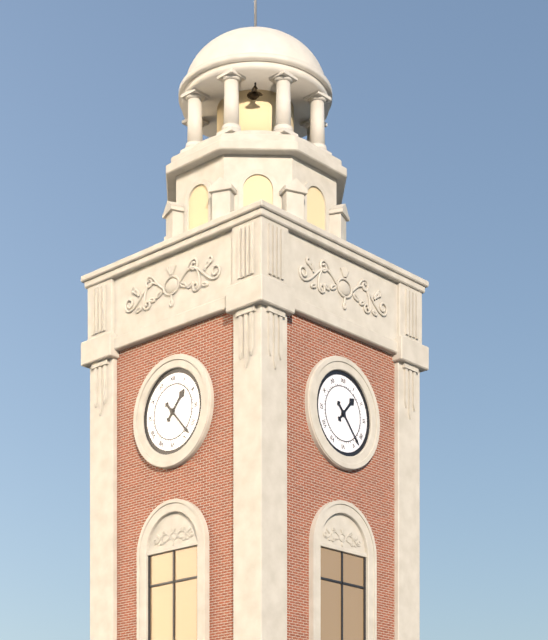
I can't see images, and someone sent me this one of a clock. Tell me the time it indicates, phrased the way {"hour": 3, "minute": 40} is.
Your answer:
{"hour": 1, "minute": 23}
